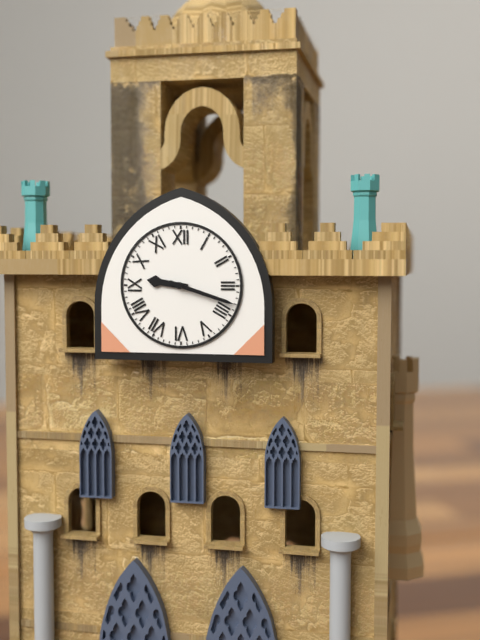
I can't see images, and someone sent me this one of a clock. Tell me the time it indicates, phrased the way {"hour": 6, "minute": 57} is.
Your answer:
{"hour": 9, "minute": 18}
